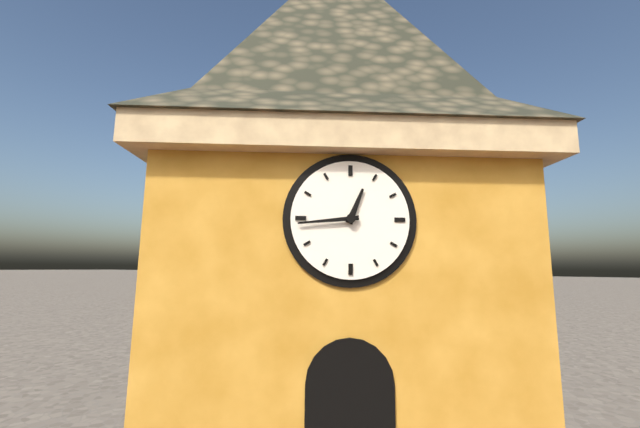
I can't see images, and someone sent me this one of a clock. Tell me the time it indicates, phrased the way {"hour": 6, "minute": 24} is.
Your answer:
{"hour": 12, "minute": 44}
